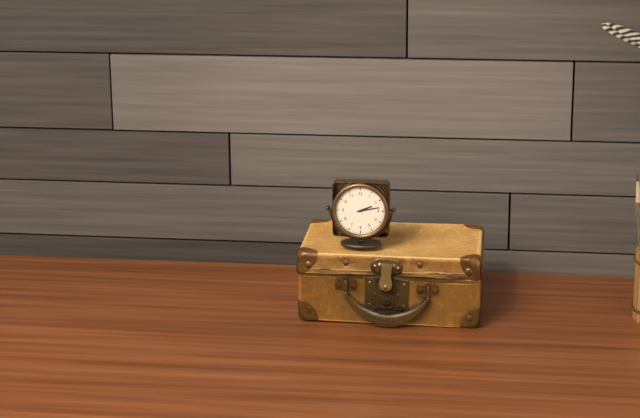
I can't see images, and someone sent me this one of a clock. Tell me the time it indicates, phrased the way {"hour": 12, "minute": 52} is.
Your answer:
{"hour": 2, "minute": 13}
